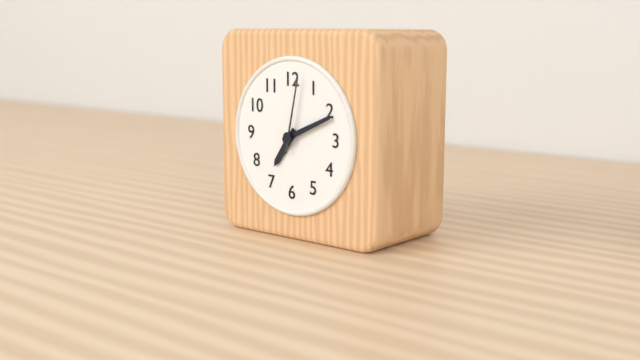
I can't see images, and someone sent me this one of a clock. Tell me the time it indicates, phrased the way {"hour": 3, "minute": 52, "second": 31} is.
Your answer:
{"hour": 7, "minute": 11, "second": 2}
